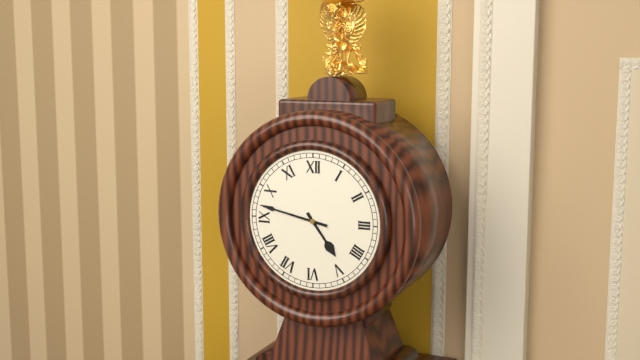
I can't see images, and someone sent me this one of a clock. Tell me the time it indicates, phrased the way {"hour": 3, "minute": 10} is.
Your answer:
{"hour": 4, "minute": 47}
